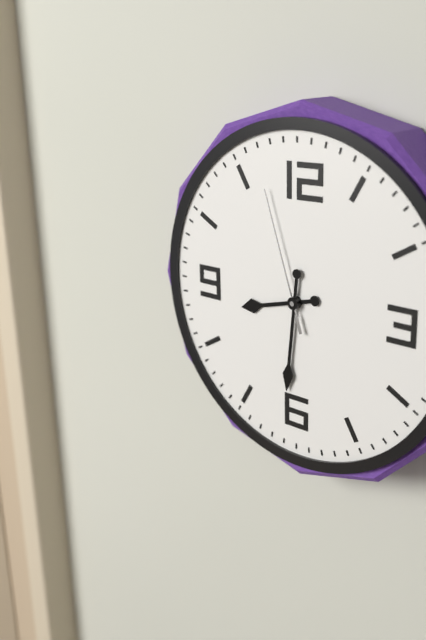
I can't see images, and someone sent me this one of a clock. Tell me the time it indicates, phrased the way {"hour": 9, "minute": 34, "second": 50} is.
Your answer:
{"hour": 8, "minute": 31, "second": 57}
